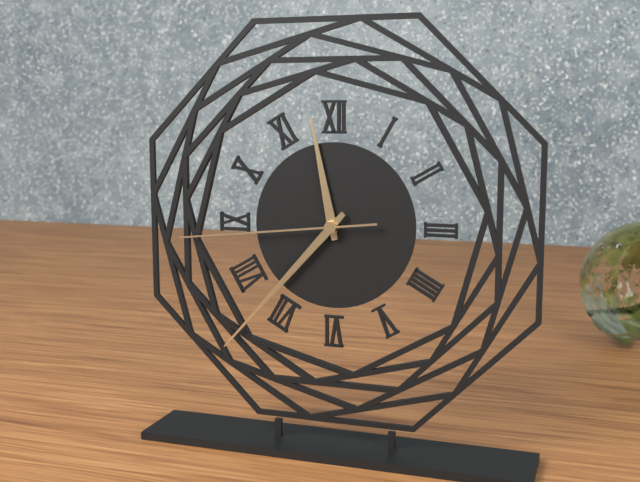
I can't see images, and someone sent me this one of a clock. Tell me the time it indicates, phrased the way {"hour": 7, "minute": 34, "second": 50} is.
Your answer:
{"hour": 11, "minute": 37, "second": 44}
